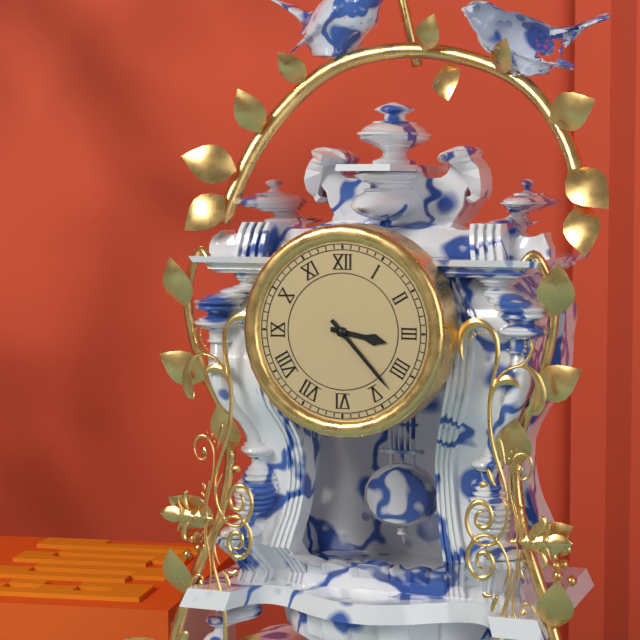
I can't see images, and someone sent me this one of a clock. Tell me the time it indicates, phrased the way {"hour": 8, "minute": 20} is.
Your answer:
{"hour": 3, "minute": 23}
